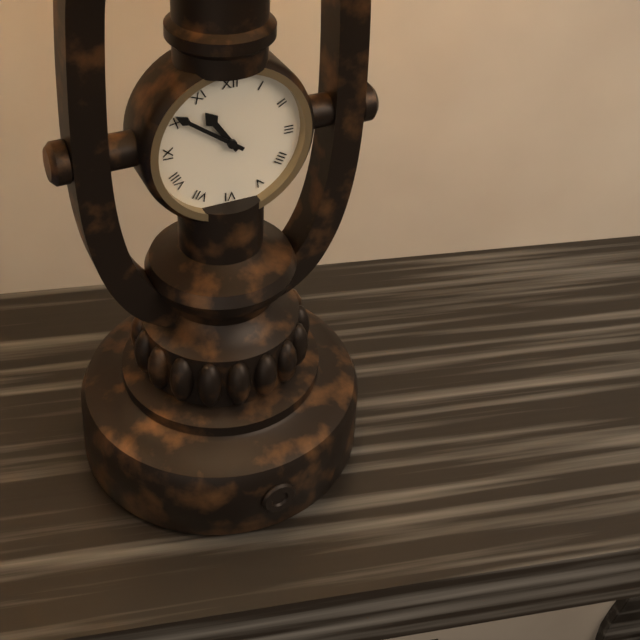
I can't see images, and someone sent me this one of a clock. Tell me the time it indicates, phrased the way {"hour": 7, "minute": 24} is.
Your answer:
{"hour": 10, "minute": 51}
